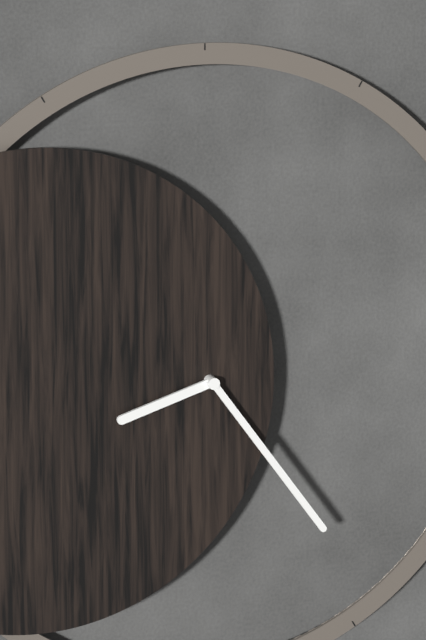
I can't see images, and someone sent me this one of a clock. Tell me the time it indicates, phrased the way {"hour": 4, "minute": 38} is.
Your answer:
{"hour": 8, "minute": 24}
